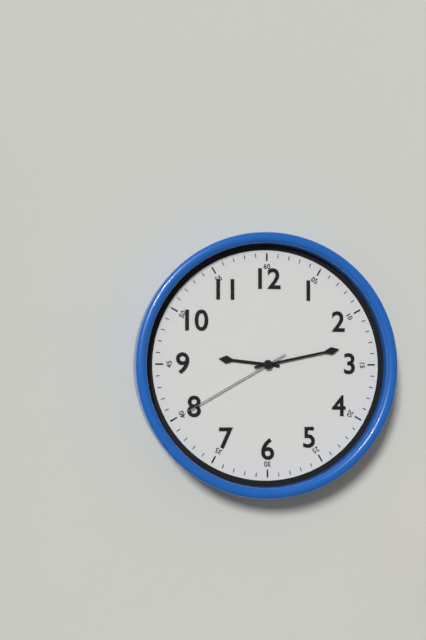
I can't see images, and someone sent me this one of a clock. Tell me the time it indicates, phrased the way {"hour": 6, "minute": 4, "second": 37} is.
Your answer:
{"hour": 9, "minute": 13, "second": 40}
